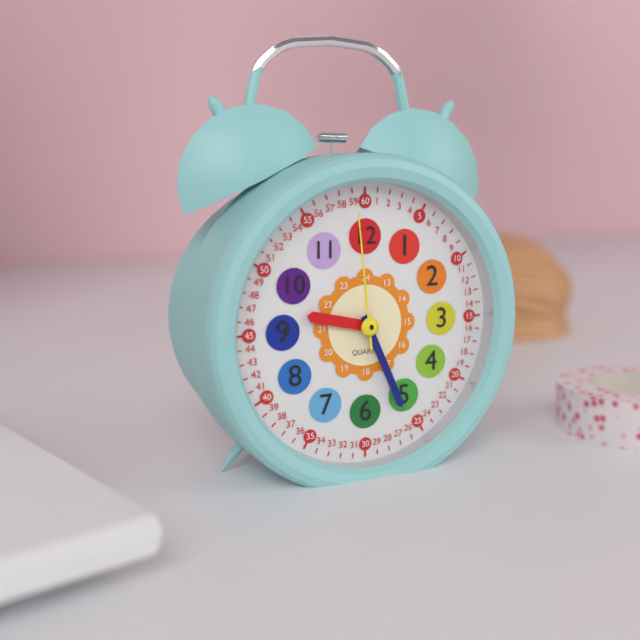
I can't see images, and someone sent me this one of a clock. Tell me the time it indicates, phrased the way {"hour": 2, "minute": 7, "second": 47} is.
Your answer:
{"hour": 9, "minute": 26, "second": 59}
